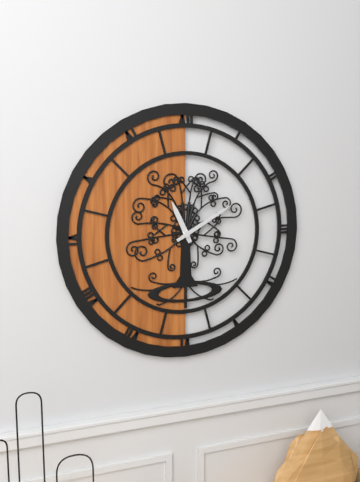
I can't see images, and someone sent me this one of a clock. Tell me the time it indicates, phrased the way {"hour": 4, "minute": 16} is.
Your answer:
{"hour": 11, "minute": 10}
